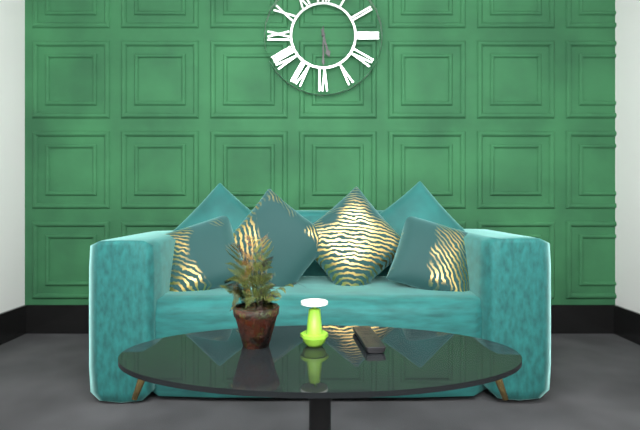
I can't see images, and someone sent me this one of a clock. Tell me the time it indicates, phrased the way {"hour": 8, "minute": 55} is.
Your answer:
{"hour": 5, "minute": 30}
